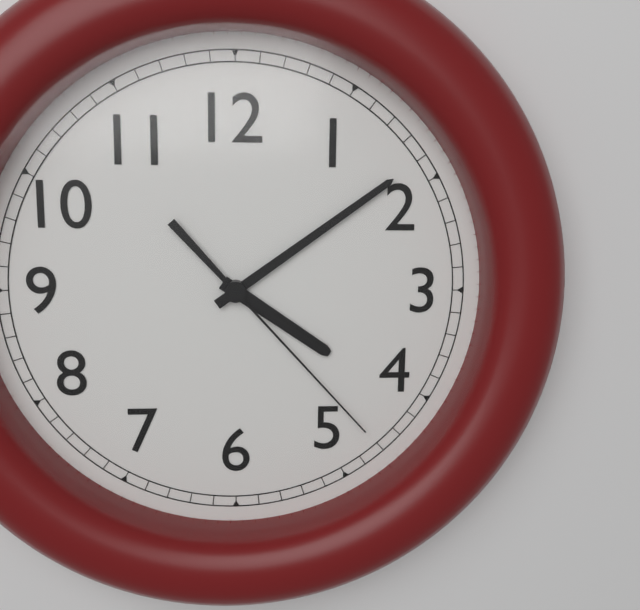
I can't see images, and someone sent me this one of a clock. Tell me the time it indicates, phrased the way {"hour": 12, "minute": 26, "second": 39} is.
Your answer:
{"hour": 4, "minute": 9, "second": 23}
